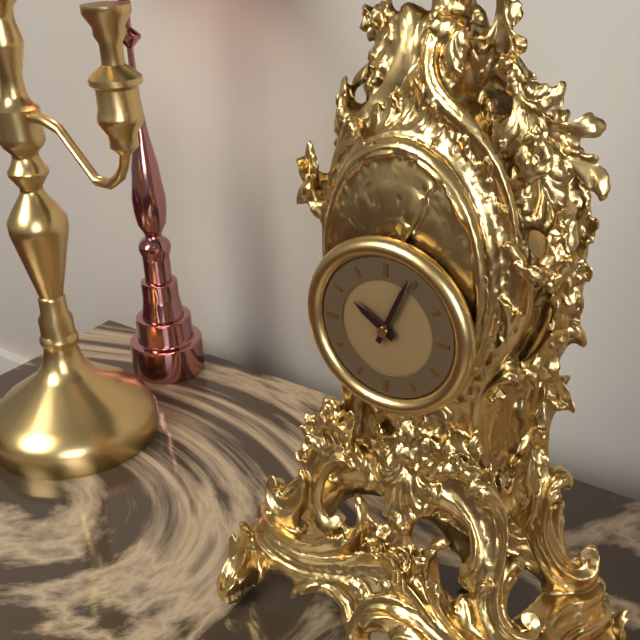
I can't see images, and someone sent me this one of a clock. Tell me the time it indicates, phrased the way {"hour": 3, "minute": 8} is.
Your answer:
{"hour": 10, "minute": 4}
